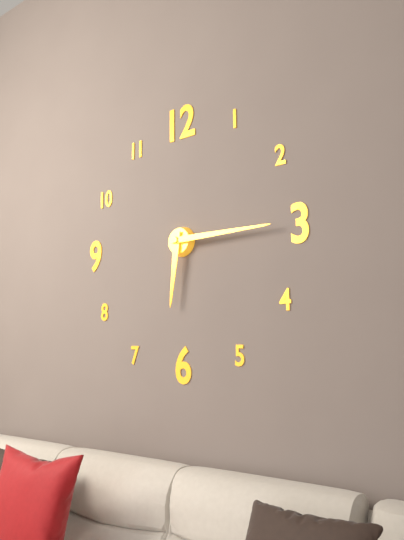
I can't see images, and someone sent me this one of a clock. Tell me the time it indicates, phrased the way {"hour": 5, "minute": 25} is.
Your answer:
{"hour": 6, "minute": 15}
